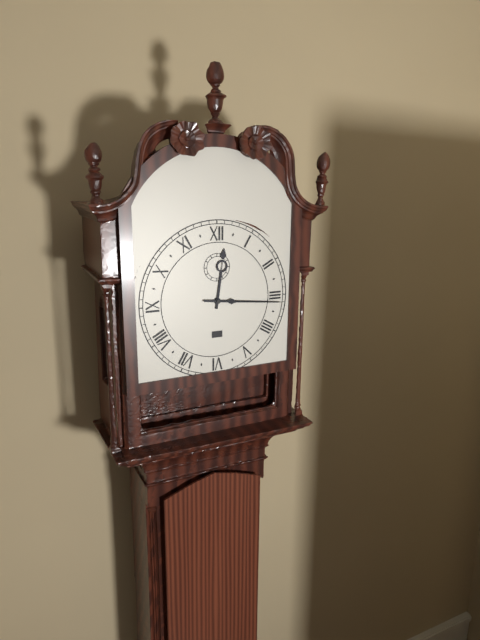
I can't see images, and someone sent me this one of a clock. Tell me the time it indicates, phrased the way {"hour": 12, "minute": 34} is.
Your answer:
{"hour": 12, "minute": 16}
